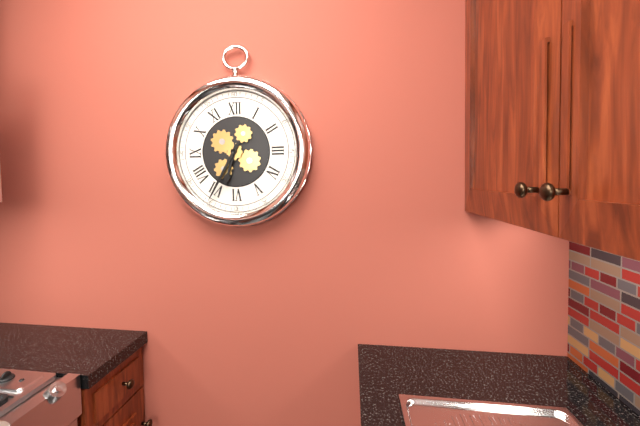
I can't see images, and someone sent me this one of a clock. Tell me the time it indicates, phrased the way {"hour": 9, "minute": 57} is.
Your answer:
{"hour": 6, "minute": 35}
